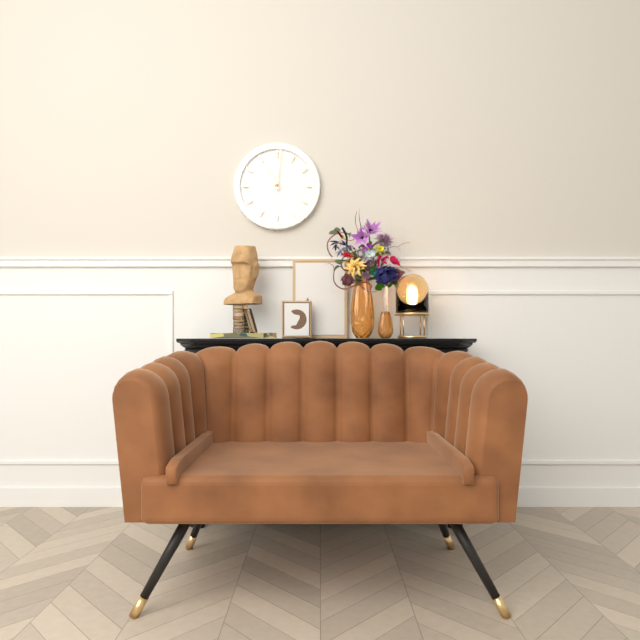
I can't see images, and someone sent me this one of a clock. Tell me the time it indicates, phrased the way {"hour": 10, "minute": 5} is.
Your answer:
{"hour": 11, "minute": 1}
